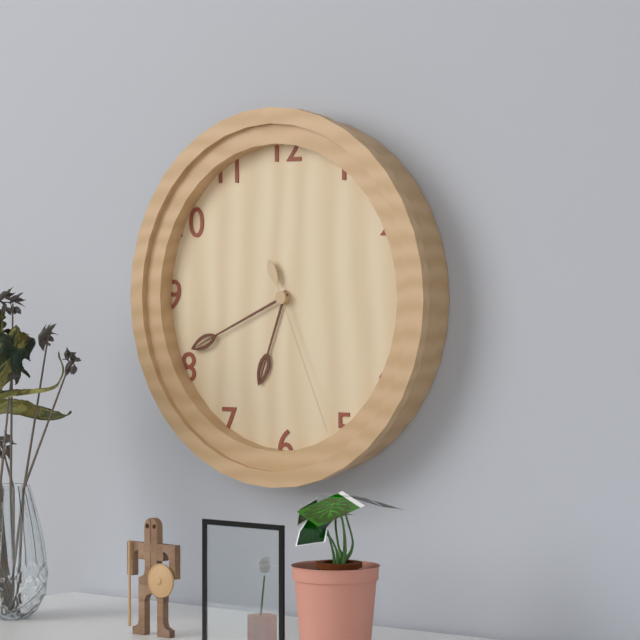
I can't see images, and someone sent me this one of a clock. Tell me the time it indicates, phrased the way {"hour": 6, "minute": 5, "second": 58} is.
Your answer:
{"hour": 6, "minute": 41, "second": 26}
